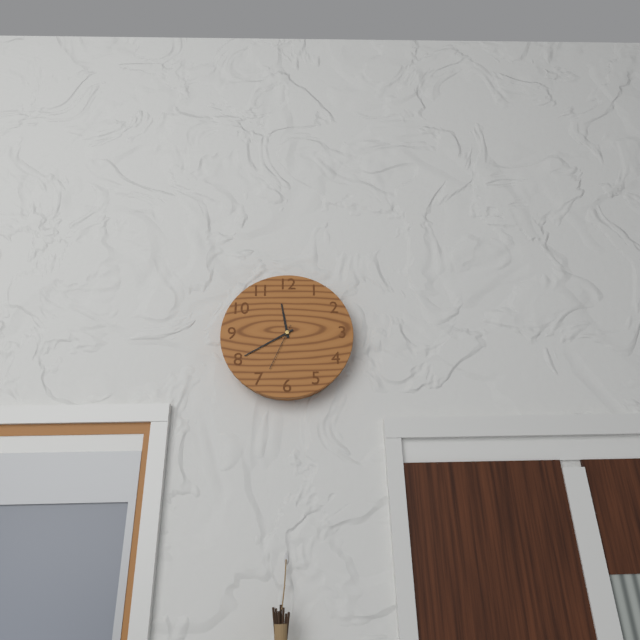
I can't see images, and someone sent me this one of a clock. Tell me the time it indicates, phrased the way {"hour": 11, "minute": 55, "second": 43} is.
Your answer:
{"hour": 11, "minute": 40, "second": 34}
